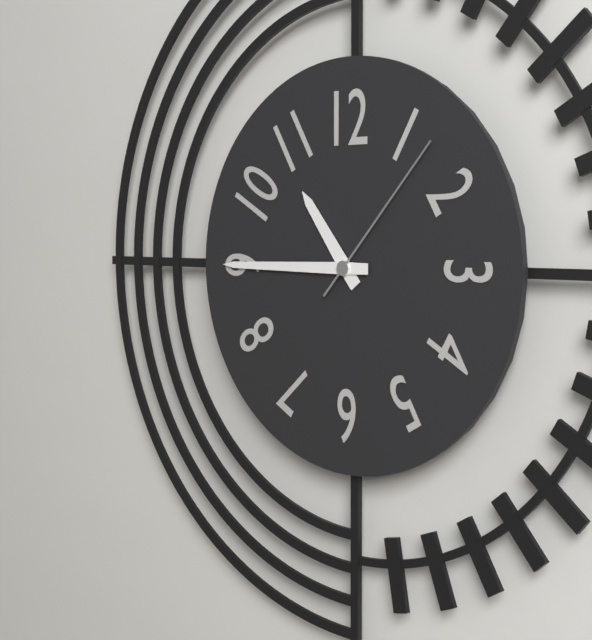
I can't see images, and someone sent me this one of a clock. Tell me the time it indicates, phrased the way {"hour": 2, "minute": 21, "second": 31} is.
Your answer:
{"hour": 10, "minute": 45, "second": 7}
